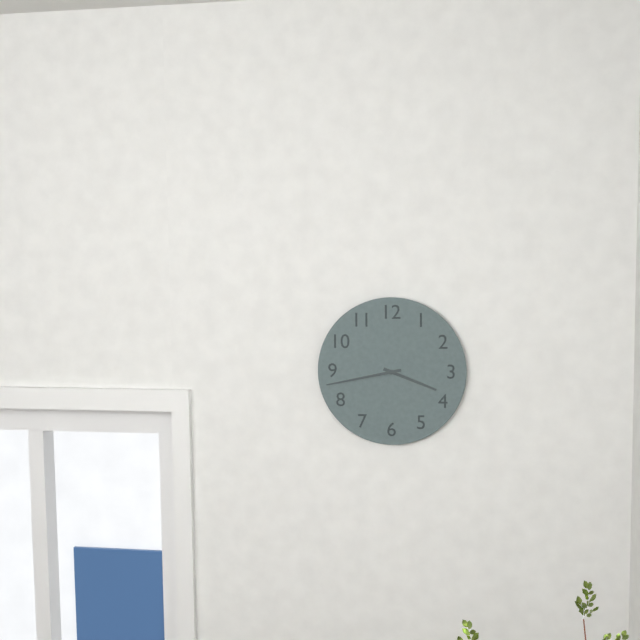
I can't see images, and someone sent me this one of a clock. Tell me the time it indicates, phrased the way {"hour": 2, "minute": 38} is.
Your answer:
{"hour": 3, "minute": 43}
